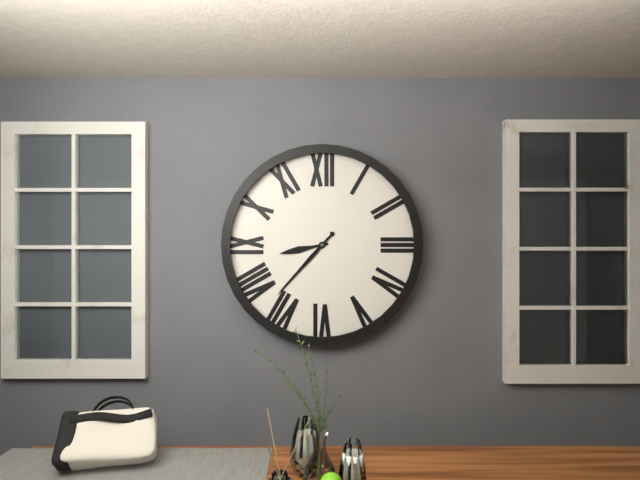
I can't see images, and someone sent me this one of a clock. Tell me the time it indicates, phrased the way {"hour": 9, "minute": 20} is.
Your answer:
{"hour": 8, "minute": 37}
